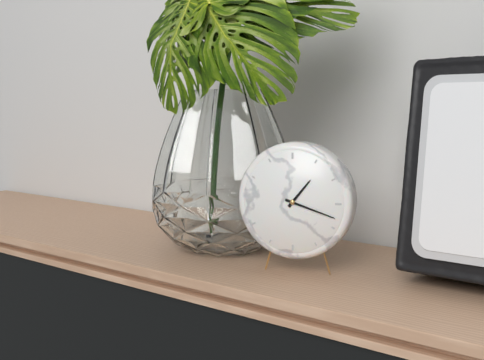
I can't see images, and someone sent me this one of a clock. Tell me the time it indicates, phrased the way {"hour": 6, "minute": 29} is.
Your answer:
{"hour": 1, "minute": 18}
